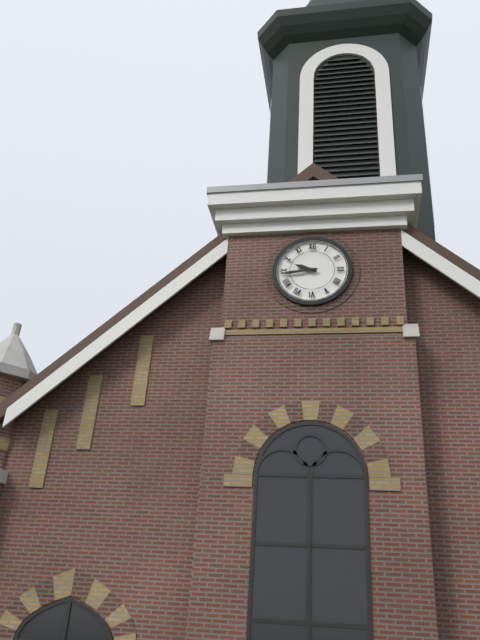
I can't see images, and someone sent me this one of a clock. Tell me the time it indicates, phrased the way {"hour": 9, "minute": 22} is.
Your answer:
{"hour": 9, "minute": 44}
